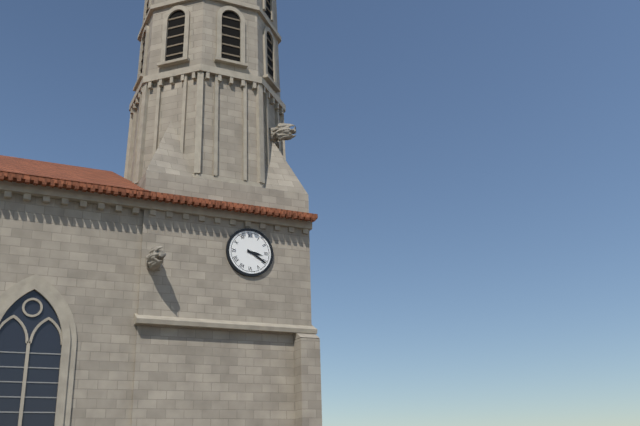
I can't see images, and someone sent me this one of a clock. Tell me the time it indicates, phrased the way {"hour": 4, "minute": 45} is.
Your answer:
{"hour": 3, "minute": 20}
